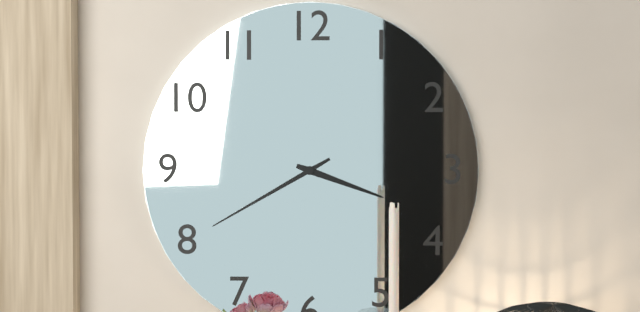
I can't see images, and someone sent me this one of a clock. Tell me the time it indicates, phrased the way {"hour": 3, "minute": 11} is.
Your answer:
{"hour": 3, "minute": 40}
